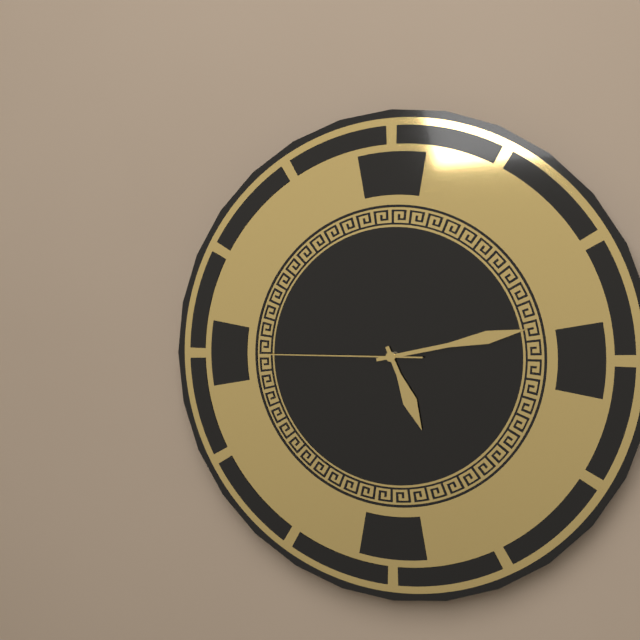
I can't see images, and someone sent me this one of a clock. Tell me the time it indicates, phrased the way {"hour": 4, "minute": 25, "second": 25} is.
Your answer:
{"hour": 5, "minute": 13, "second": 45}
